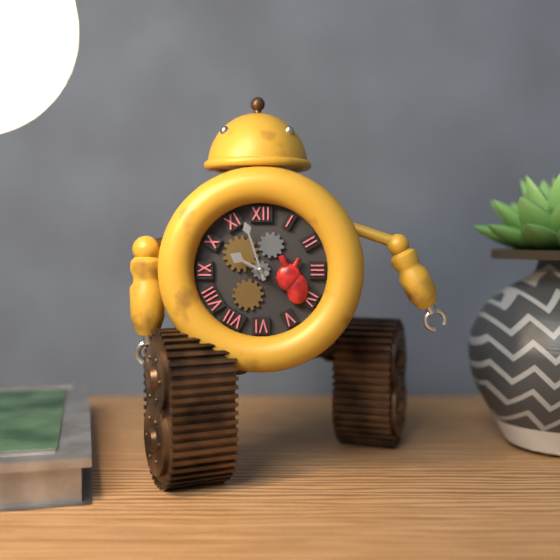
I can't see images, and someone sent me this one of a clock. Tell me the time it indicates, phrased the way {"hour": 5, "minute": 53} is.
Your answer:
{"hour": 9, "minute": 57}
